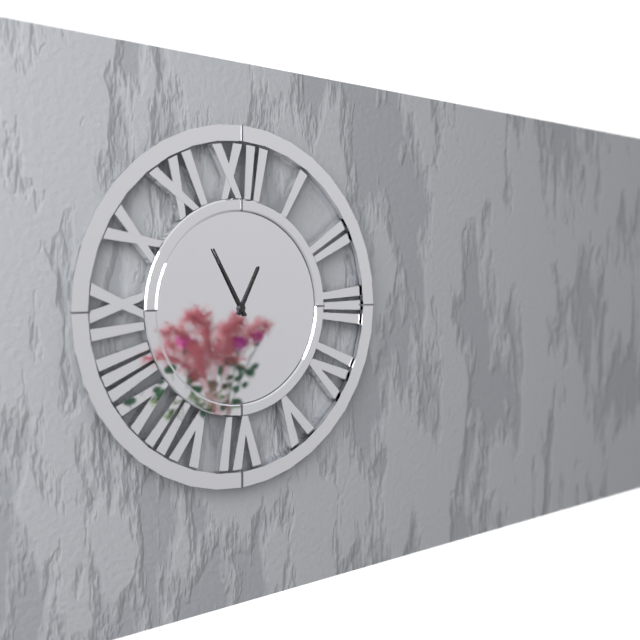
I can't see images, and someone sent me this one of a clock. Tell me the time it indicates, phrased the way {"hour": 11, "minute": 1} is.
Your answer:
{"hour": 12, "minute": 55}
